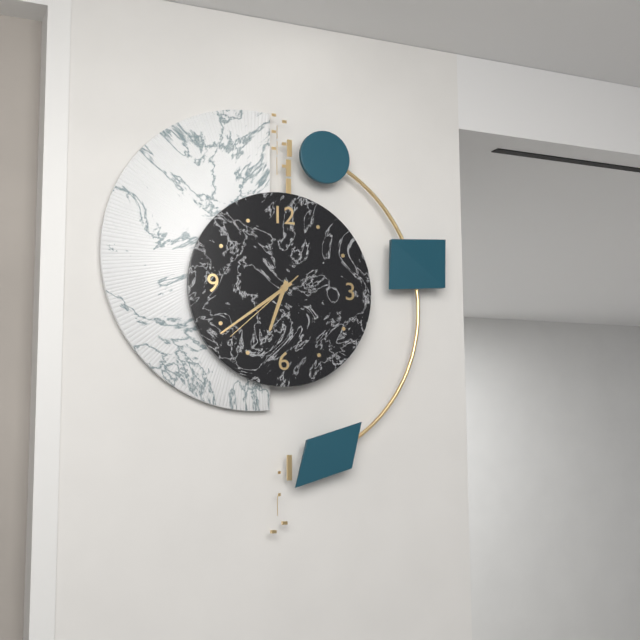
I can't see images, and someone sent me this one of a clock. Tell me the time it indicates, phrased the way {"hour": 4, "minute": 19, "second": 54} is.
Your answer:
{"hour": 6, "minute": 39, "second": 38}
